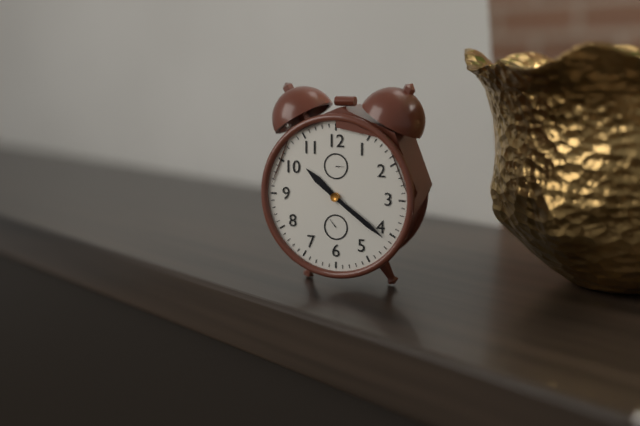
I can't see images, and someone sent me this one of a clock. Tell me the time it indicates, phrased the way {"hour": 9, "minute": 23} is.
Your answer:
{"hour": 10, "minute": 21}
